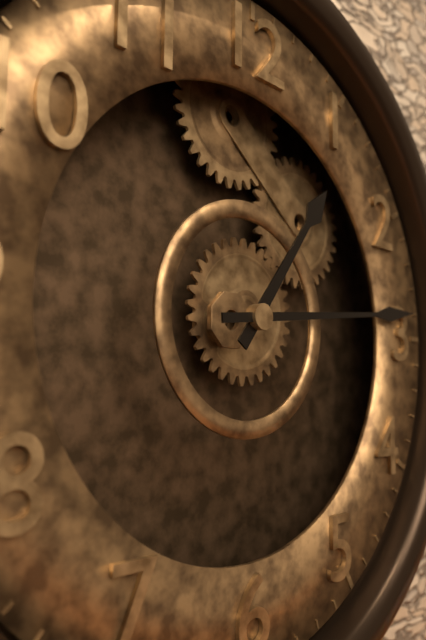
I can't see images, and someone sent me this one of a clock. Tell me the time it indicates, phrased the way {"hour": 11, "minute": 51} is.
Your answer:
{"hour": 1, "minute": 14}
